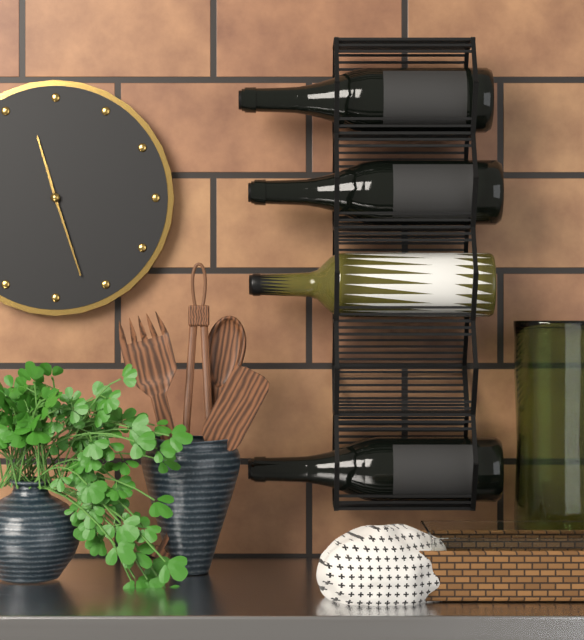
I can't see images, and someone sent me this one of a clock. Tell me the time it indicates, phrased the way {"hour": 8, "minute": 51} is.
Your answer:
{"hour": 11, "minute": 27}
